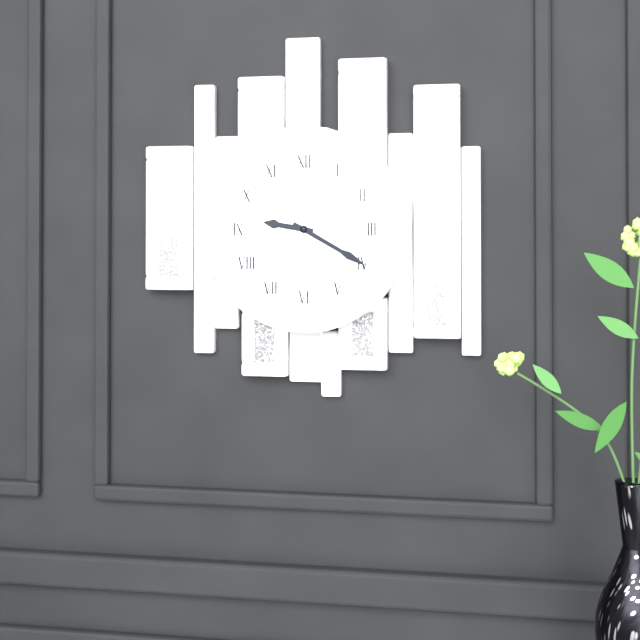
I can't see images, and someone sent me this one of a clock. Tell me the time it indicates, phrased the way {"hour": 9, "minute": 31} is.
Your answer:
{"hour": 9, "minute": 20}
